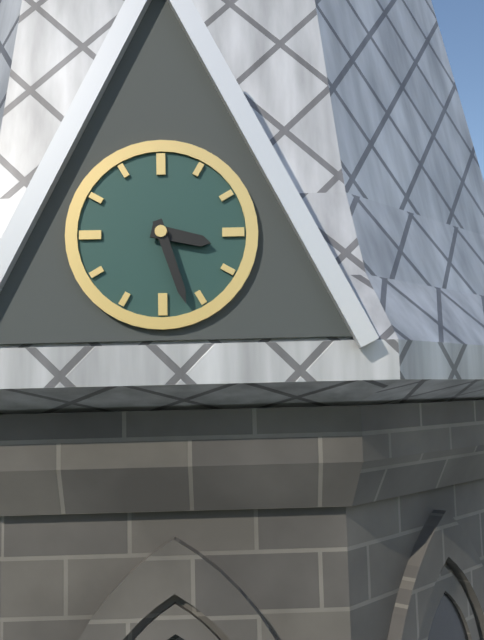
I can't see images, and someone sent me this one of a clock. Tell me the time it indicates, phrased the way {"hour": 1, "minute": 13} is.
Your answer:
{"hour": 3, "minute": 27}
